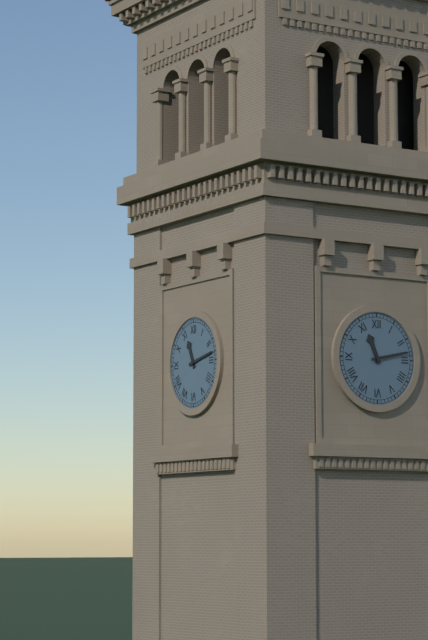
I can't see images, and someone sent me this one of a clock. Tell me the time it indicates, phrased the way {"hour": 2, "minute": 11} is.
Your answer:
{"hour": 11, "minute": 13}
